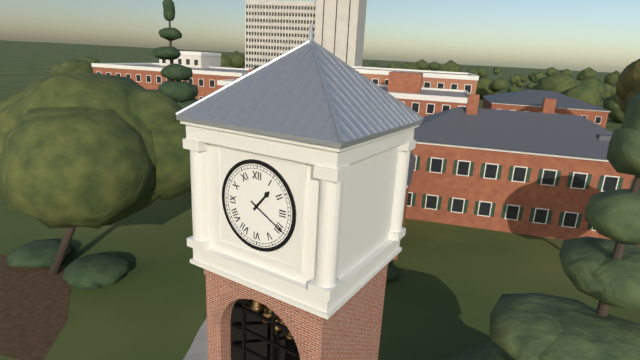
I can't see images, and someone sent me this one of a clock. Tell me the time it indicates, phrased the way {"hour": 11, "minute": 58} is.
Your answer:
{"hour": 1, "minute": 20}
